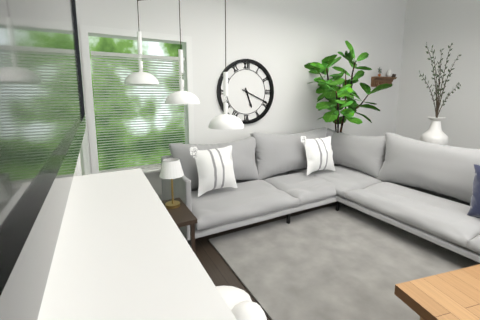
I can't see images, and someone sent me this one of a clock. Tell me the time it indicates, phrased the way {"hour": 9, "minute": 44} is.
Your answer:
{"hour": 5, "minute": 19}
